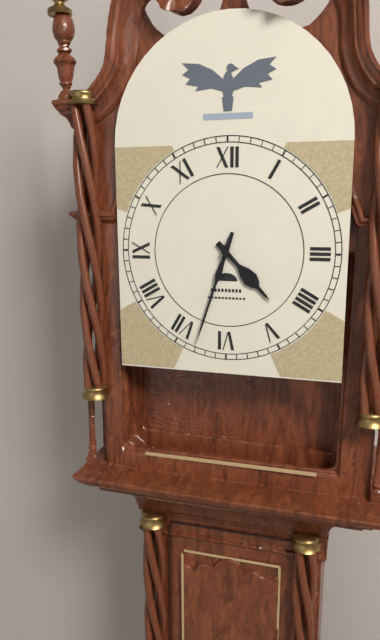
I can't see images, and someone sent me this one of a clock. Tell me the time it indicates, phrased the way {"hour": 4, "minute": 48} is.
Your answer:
{"hour": 4, "minute": 33}
